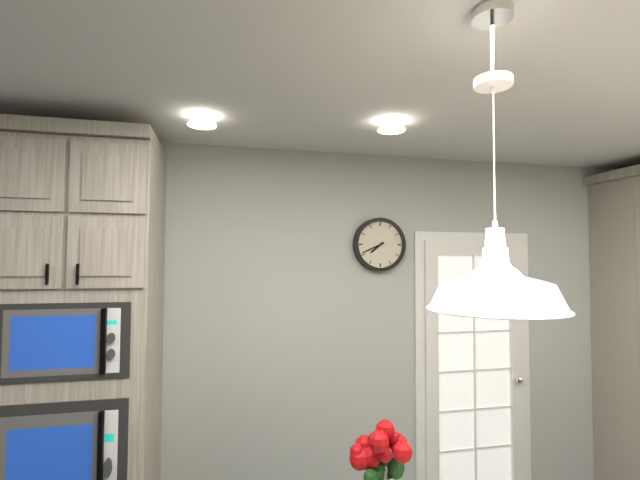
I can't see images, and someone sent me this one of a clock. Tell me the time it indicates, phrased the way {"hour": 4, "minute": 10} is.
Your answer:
{"hour": 7, "minute": 41}
